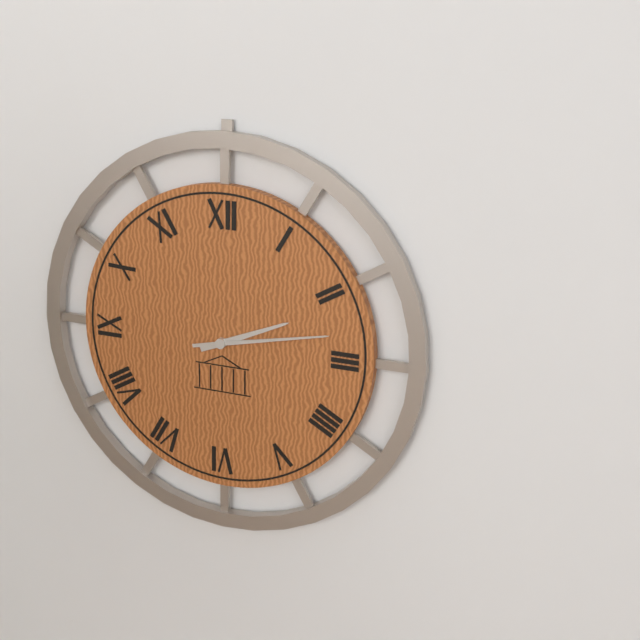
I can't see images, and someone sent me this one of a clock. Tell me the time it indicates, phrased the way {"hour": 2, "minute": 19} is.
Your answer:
{"hour": 2, "minute": 13}
